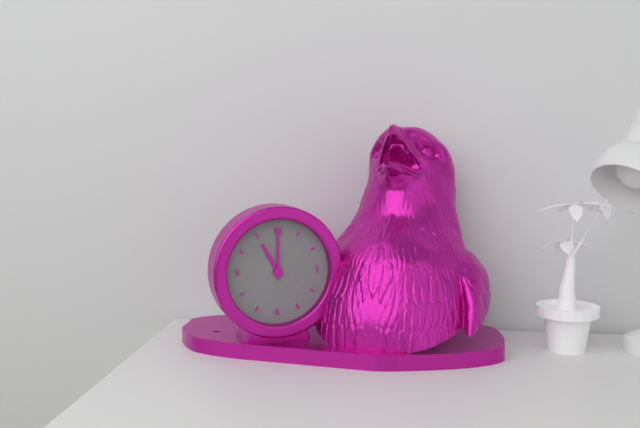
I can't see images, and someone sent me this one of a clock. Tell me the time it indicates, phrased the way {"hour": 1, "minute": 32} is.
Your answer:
{"hour": 11, "minute": 0}
